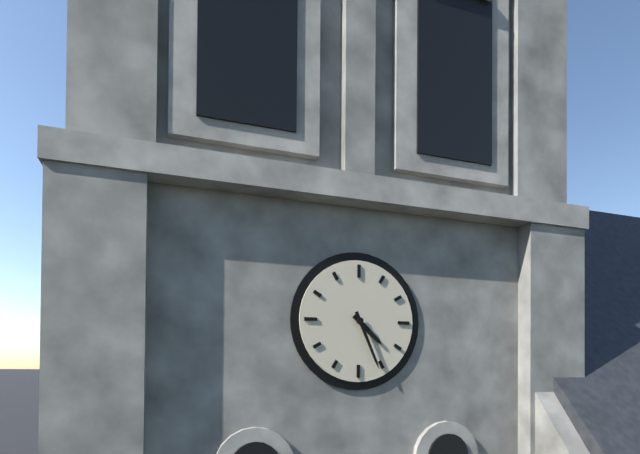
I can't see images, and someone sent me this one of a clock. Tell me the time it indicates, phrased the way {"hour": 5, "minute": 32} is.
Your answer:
{"hour": 4, "minute": 26}
